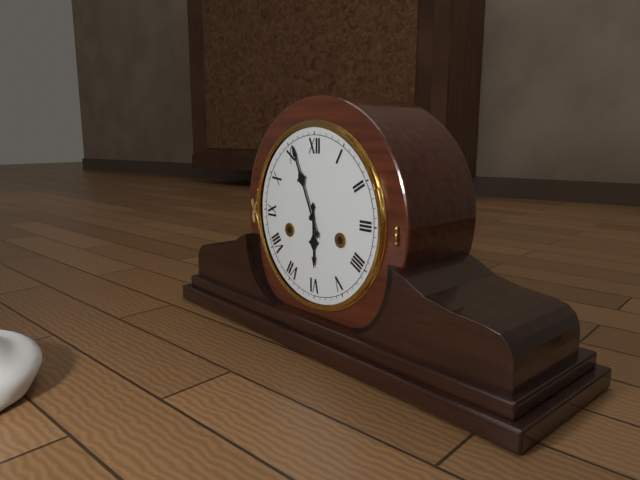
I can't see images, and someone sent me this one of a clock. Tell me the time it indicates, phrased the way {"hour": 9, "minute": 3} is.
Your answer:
{"hour": 5, "minute": 56}
